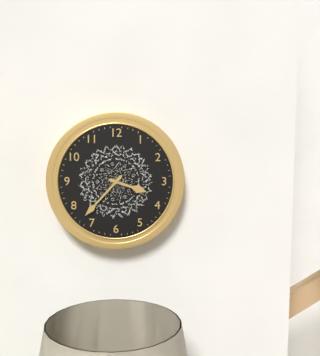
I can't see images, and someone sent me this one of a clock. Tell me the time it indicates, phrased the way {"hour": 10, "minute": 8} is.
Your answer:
{"hour": 3, "minute": 37}
